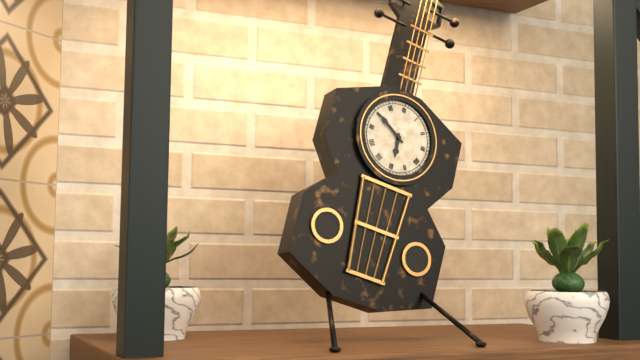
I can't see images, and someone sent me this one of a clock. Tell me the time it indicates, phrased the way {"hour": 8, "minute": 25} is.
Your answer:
{"hour": 5, "minute": 50}
